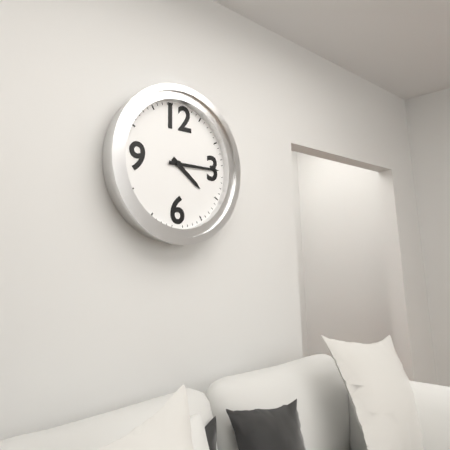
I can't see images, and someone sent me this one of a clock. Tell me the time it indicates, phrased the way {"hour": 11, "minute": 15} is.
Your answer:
{"hour": 4, "minute": 15}
